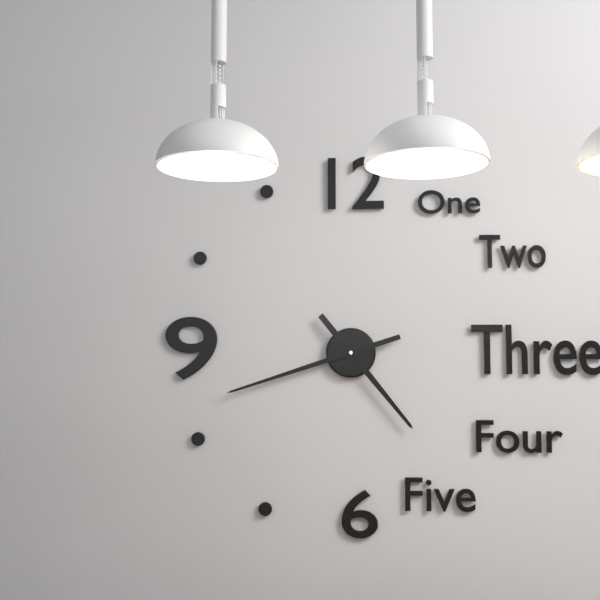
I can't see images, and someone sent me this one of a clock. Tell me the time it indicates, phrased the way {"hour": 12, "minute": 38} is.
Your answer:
{"hour": 4, "minute": 42}
